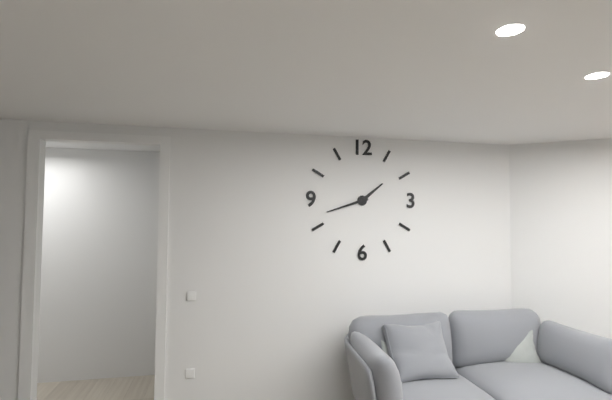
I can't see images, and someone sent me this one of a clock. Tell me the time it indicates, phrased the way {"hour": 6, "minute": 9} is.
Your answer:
{"hour": 1, "minute": 42}
